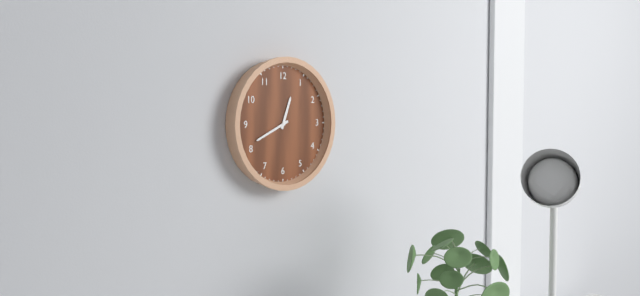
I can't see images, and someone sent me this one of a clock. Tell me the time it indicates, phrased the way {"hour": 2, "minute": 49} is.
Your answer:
{"hour": 12, "minute": 41}
